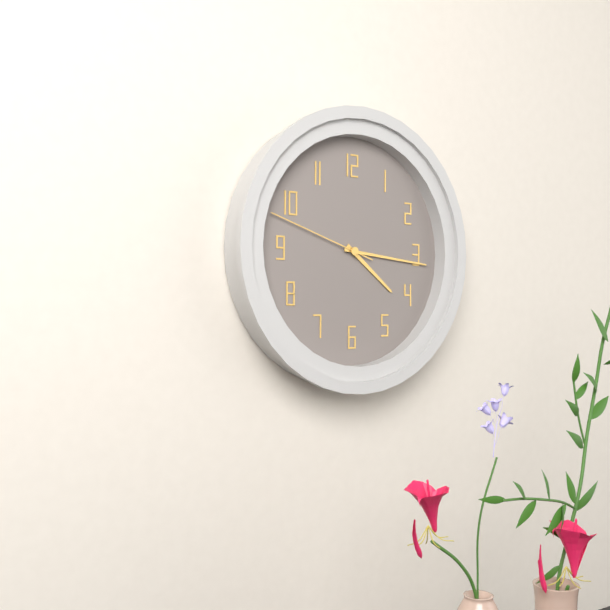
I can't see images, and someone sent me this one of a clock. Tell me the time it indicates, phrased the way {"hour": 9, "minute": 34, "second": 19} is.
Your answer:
{"hour": 4, "minute": 16, "second": 48}
